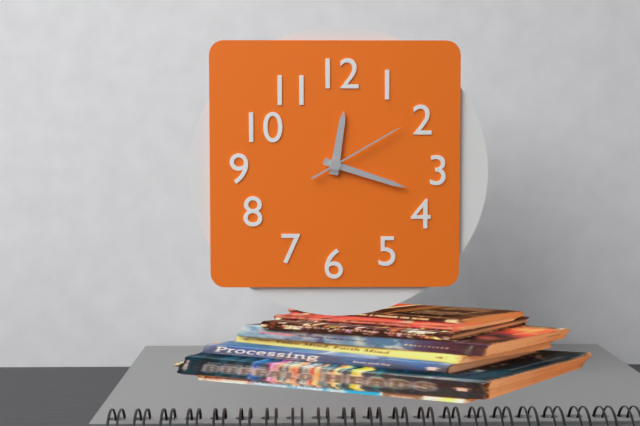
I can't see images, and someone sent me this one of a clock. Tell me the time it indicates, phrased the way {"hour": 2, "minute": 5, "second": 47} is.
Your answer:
{"hour": 12, "minute": 18, "second": 10}
